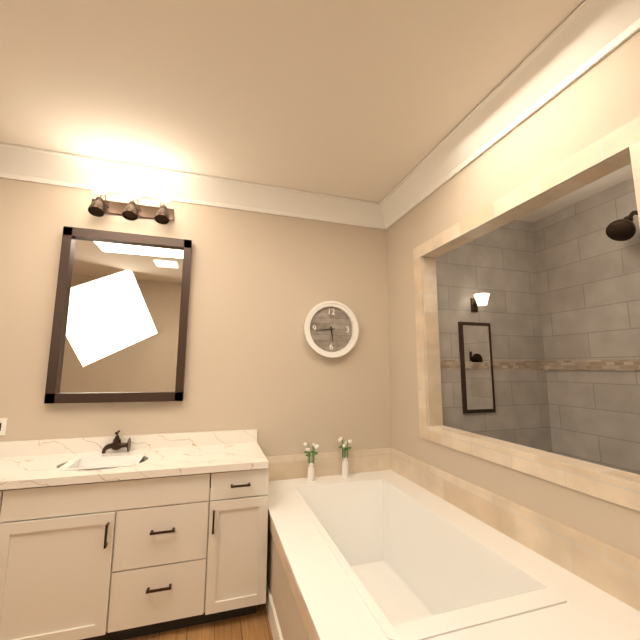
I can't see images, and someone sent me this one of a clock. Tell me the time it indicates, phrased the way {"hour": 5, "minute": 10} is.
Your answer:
{"hour": 5, "minute": 44}
